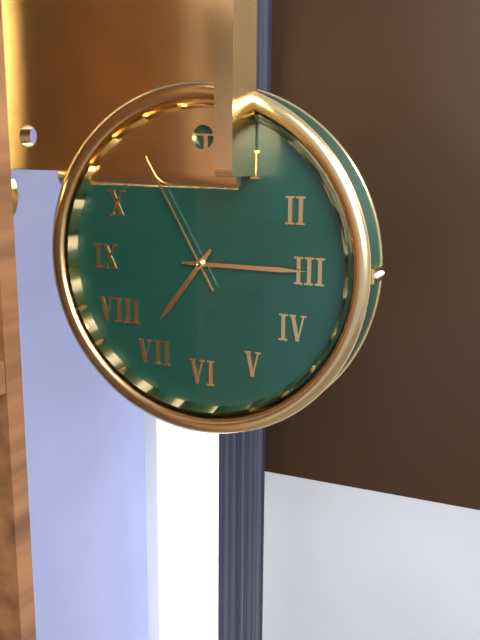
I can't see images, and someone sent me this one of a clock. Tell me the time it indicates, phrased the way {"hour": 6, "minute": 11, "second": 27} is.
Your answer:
{"hour": 7, "minute": 15, "second": 55}
